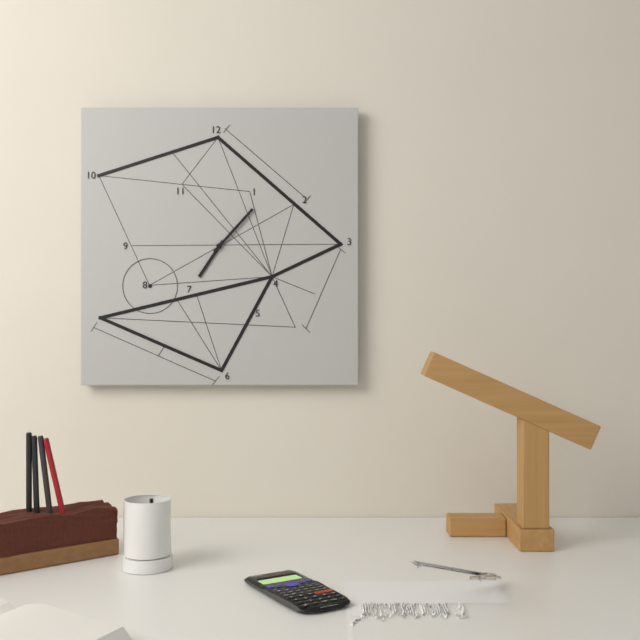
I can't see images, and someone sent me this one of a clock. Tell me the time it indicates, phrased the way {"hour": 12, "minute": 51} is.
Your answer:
{"hour": 7, "minute": 7}
